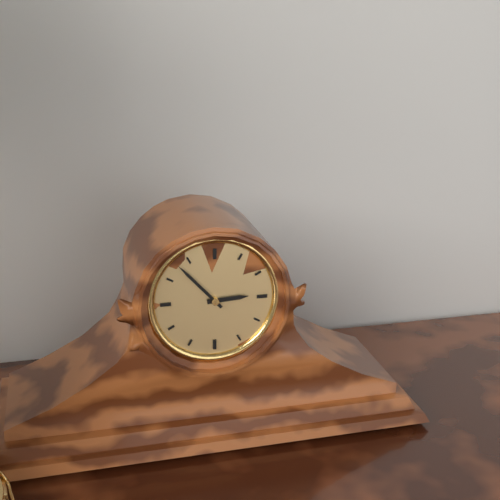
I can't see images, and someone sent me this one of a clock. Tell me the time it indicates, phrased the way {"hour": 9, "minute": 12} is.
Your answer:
{"hour": 2, "minute": 53}
